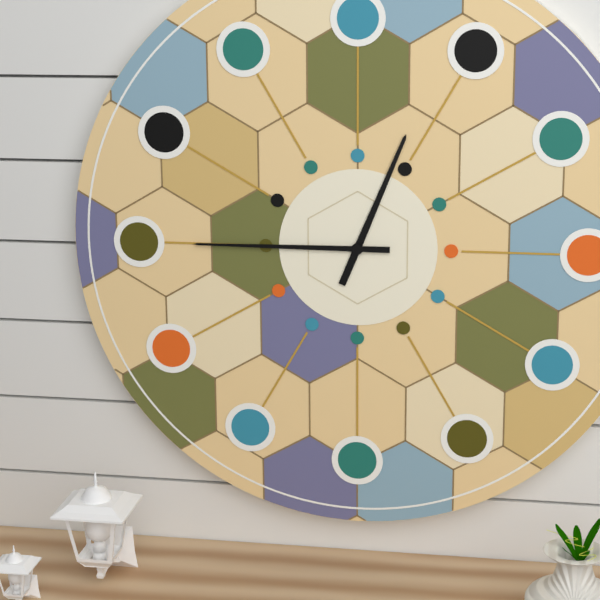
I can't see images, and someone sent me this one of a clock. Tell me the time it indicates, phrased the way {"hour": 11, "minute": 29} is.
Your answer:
{"hour": 12, "minute": 45}
